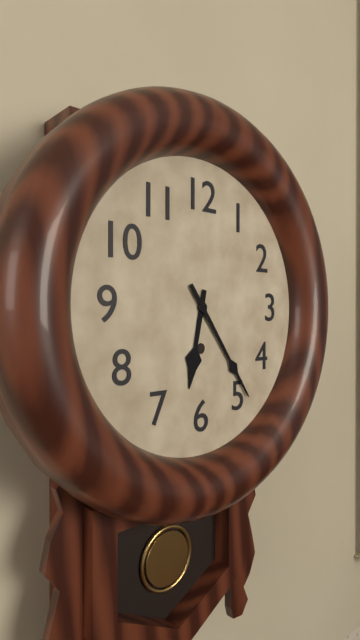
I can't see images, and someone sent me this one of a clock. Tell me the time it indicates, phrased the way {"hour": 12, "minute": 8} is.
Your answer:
{"hour": 6, "minute": 24}
